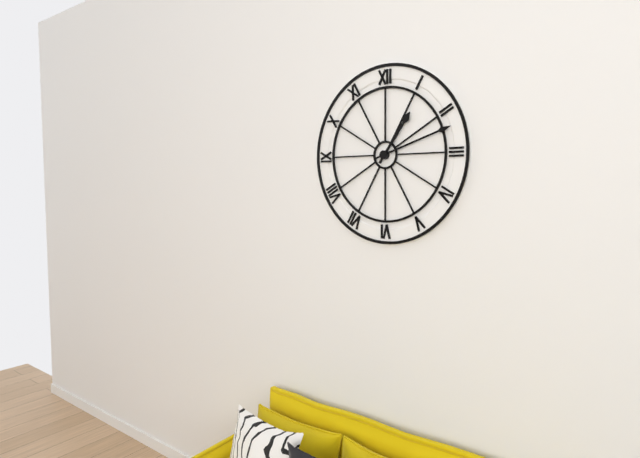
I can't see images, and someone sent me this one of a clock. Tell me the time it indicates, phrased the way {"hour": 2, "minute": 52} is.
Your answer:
{"hour": 1, "minute": 12}
